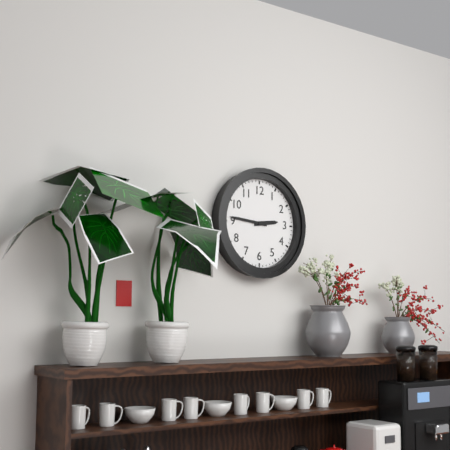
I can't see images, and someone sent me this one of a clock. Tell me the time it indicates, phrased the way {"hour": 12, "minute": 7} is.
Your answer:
{"hour": 2, "minute": 46}
